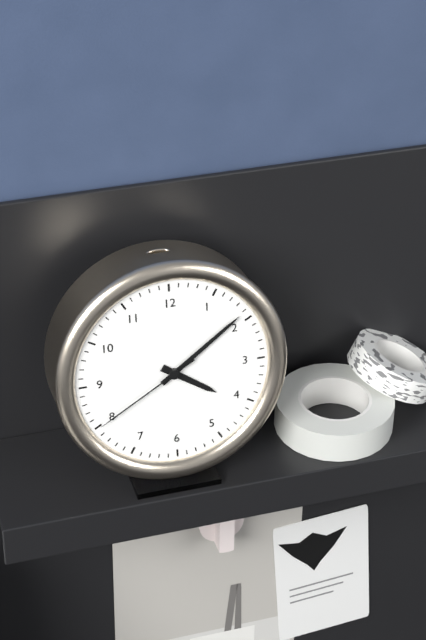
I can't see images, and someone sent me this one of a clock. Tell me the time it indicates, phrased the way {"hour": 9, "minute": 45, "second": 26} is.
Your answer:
{"hour": 4, "minute": 9, "second": 40}
